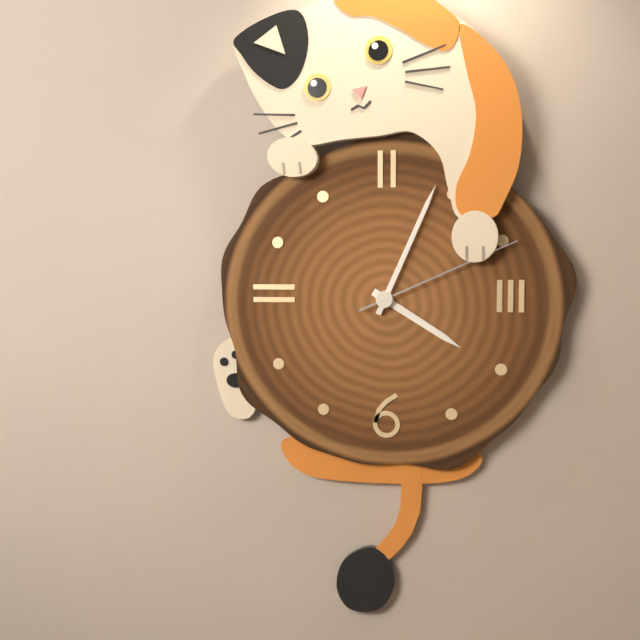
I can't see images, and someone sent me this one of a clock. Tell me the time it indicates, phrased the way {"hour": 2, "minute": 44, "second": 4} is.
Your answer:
{"hour": 4, "minute": 4, "second": 11}
